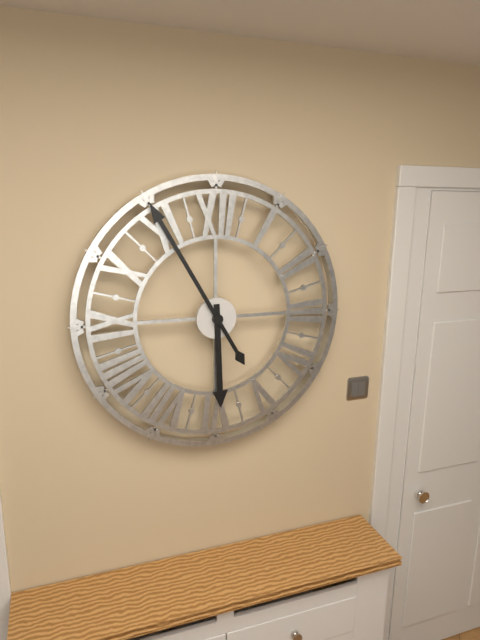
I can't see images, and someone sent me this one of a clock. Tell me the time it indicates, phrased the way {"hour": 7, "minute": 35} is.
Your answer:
{"hour": 5, "minute": 55}
